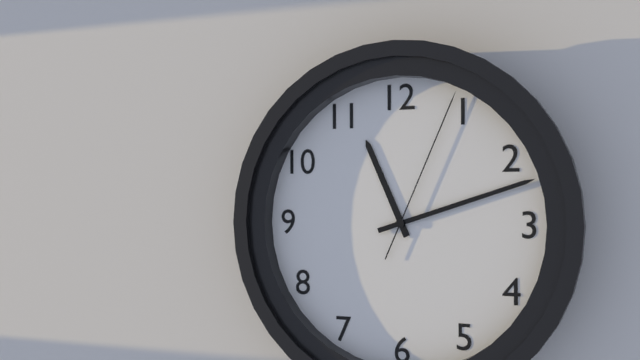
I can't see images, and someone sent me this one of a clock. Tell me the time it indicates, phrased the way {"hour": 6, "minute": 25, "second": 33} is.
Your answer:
{"hour": 11, "minute": 12, "second": 4}
